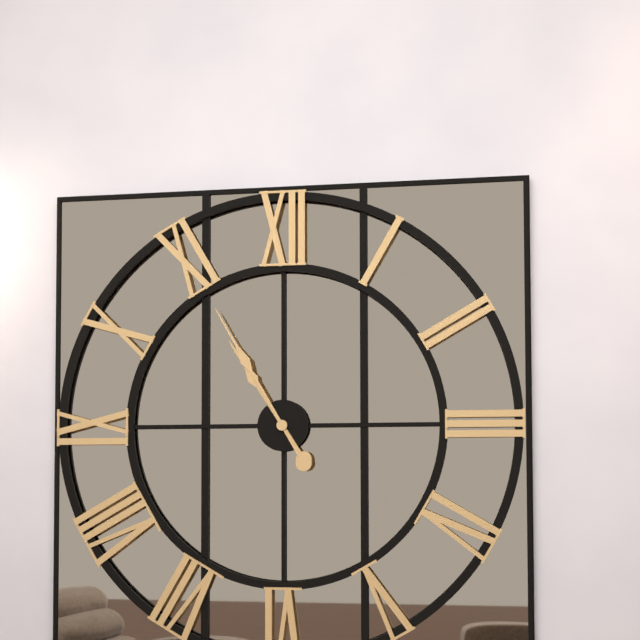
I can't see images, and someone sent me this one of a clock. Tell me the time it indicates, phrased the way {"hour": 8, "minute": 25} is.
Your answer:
{"hour": 10, "minute": 55}
